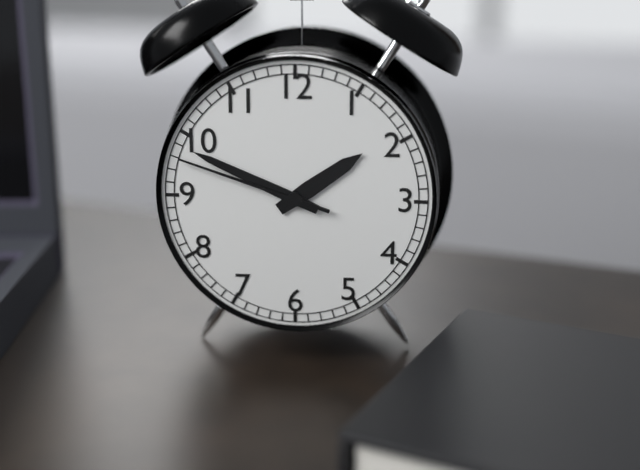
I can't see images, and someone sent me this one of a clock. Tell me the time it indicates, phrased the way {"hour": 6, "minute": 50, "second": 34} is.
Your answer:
{"hour": 1, "minute": 49, "second": 48}
